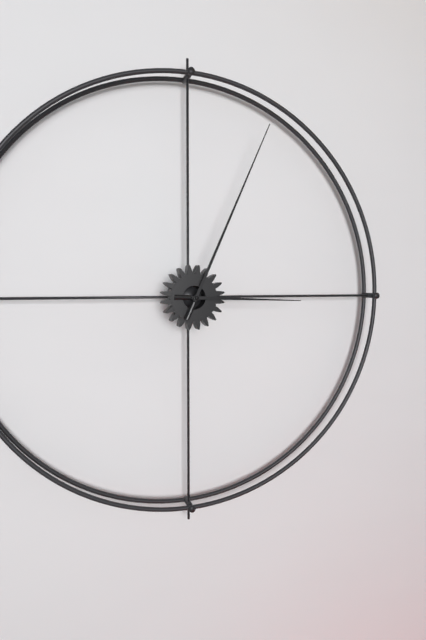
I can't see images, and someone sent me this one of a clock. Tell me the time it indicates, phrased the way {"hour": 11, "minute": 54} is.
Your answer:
{"hour": 3, "minute": 4}
